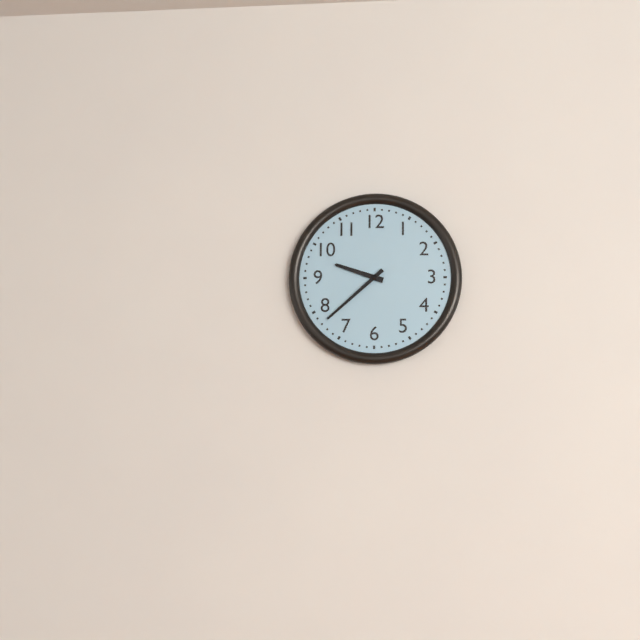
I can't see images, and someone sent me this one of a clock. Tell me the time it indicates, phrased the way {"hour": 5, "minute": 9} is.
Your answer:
{"hour": 9, "minute": 38}
